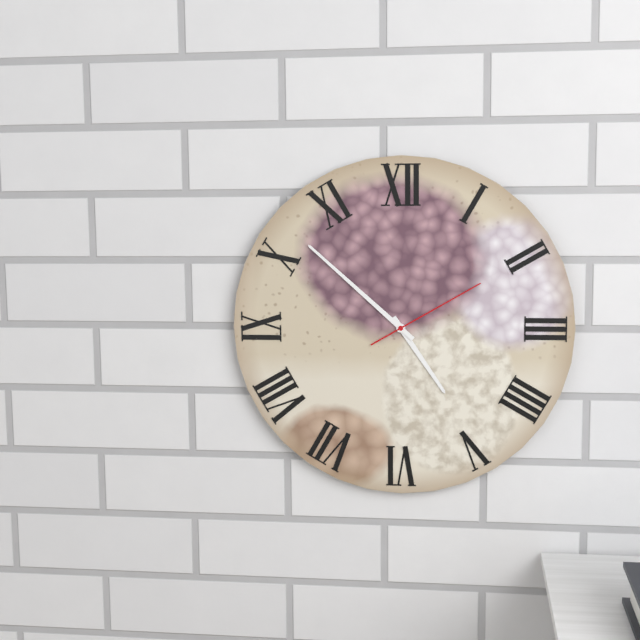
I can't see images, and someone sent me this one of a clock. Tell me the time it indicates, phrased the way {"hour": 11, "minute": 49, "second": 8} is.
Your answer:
{"hour": 4, "minute": 52, "second": 10}
